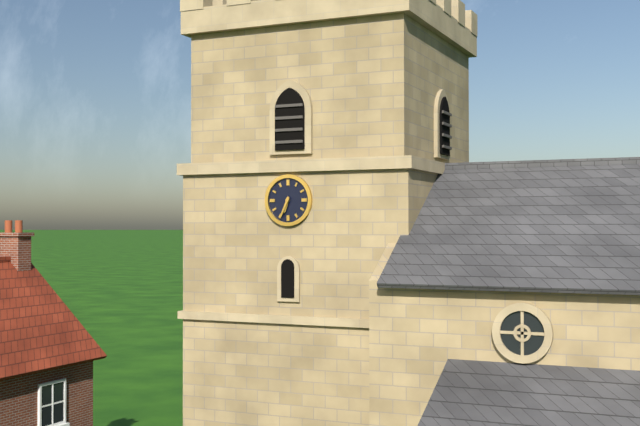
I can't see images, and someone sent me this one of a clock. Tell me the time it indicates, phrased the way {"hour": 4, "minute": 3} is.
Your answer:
{"hour": 6, "minute": 34}
